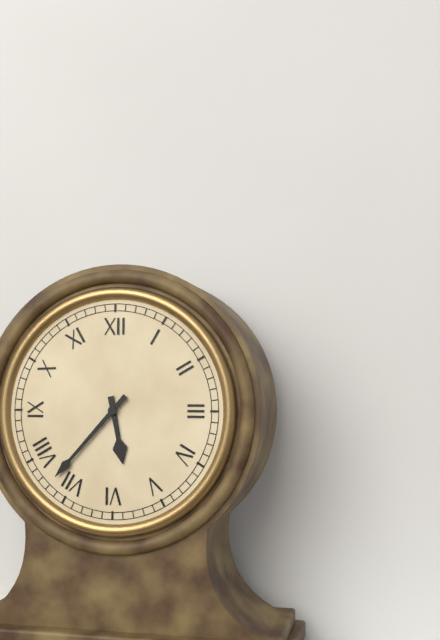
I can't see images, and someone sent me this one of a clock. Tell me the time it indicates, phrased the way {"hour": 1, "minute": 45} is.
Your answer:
{"hour": 5, "minute": 37}
